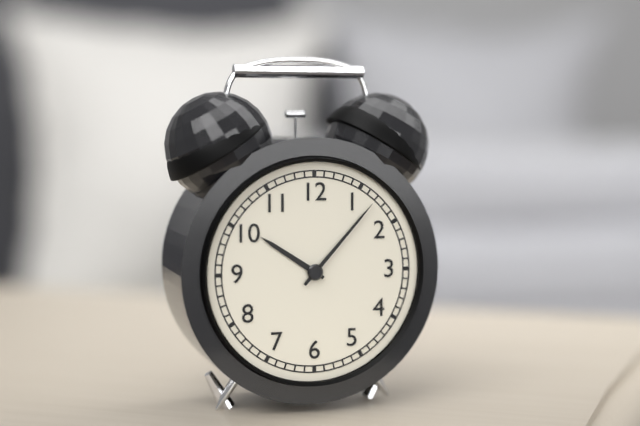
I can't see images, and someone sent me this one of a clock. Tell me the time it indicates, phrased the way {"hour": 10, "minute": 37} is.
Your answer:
{"hour": 10, "minute": 7}
